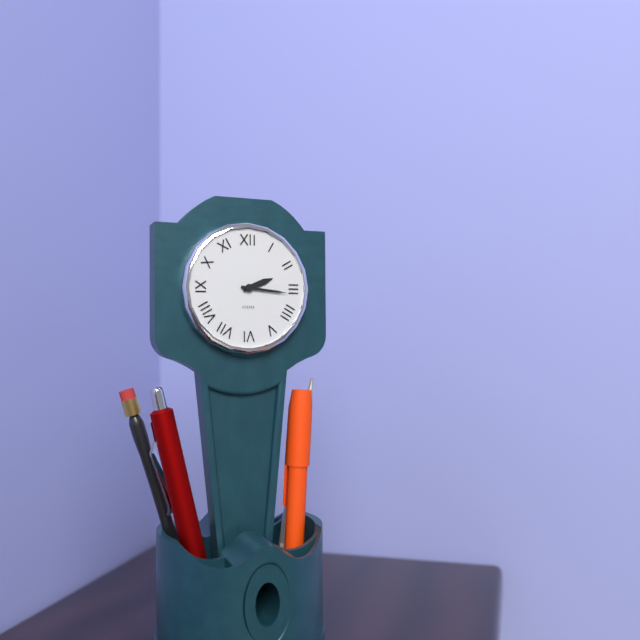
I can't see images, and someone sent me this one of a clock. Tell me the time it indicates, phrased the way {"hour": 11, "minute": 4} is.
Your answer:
{"hour": 2, "minute": 16}
